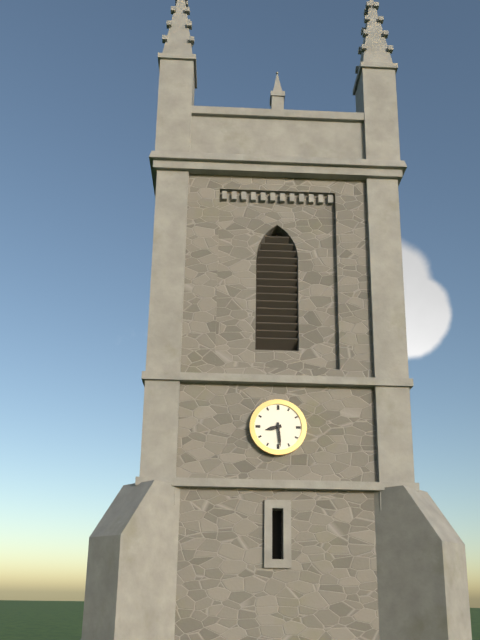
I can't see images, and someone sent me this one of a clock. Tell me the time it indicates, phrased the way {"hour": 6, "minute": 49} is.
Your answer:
{"hour": 8, "minute": 29}
